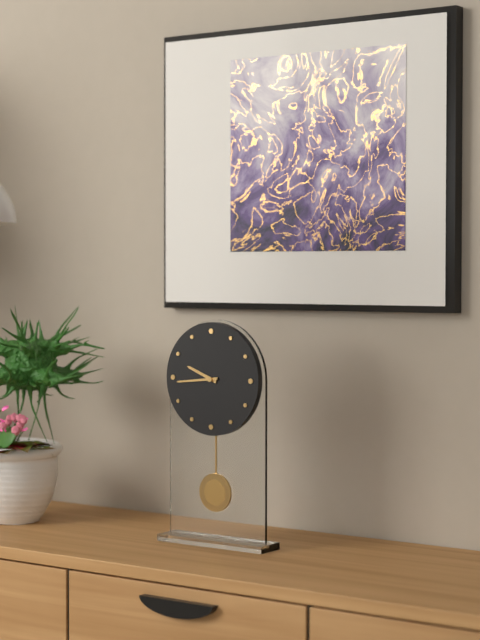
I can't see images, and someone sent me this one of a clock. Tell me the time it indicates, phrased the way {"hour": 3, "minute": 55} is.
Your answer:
{"hour": 9, "minute": 44}
